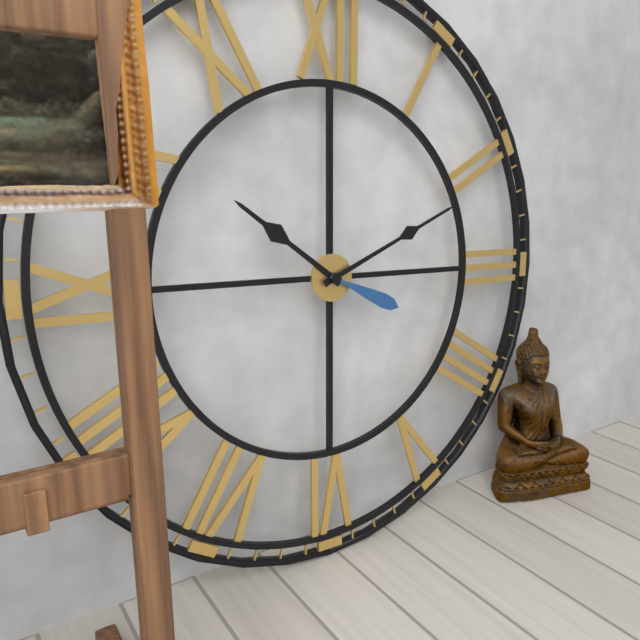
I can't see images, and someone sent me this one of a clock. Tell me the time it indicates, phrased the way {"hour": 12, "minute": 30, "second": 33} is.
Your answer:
{"hour": 10, "minute": 11, "second": 19}
